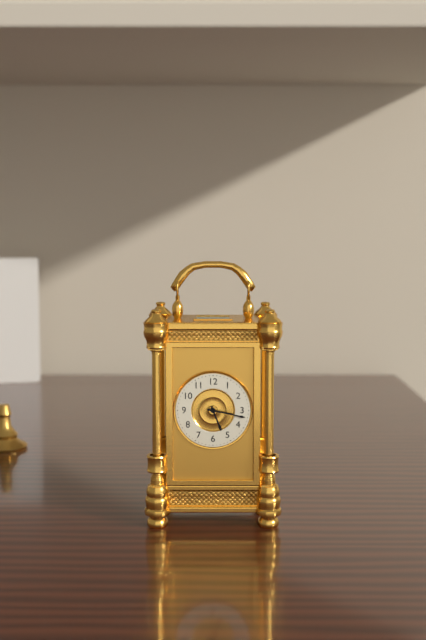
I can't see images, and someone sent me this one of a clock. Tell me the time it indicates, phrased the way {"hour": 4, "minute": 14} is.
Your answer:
{"hour": 5, "minute": 17}
